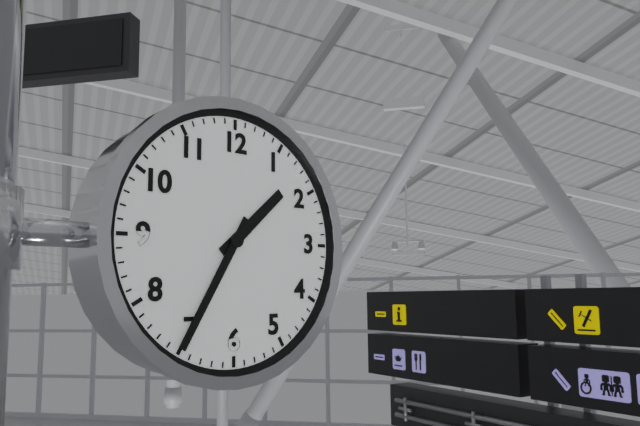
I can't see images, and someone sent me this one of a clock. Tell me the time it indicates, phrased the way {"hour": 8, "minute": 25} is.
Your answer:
{"hour": 1, "minute": 35}
